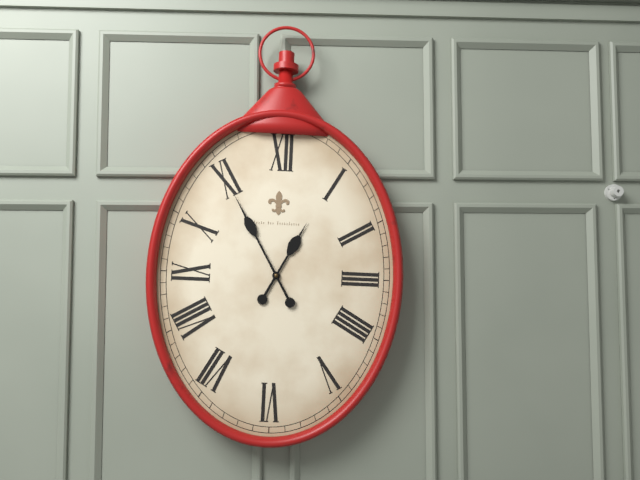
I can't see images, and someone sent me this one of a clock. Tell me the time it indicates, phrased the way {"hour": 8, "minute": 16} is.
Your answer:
{"hour": 12, "minute": 55}
